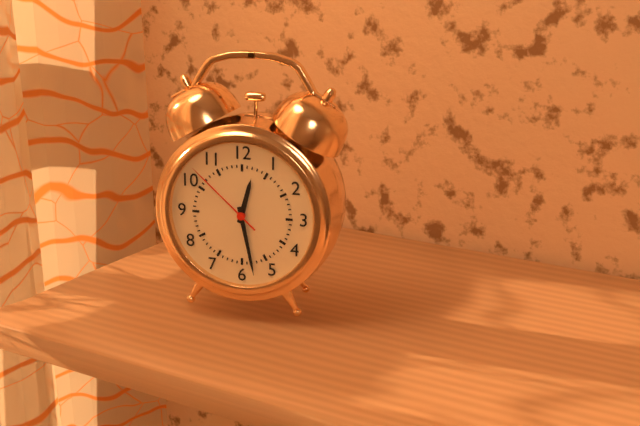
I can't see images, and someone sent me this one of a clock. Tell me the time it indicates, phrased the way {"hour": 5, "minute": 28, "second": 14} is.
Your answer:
{"hour": 12, "minute": 28, "second": 52}
